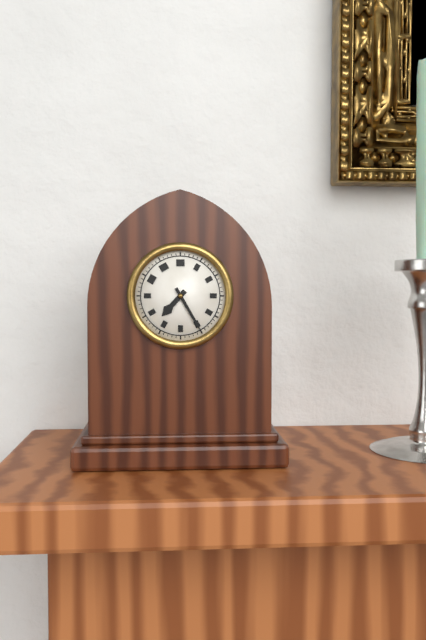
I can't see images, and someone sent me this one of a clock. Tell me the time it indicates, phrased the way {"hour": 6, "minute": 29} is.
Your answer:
{"hour": 7, "minute": 25}
